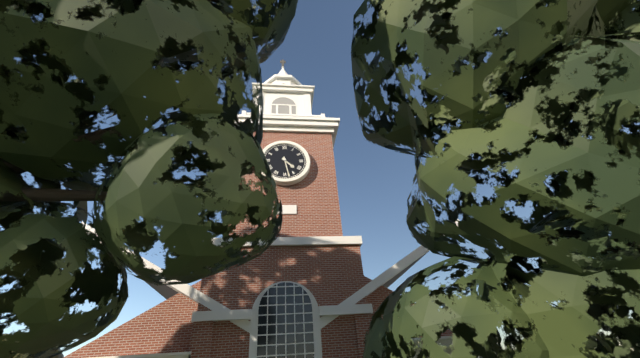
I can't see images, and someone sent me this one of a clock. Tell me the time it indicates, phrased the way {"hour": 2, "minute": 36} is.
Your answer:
{"hour": 4, "minute": 28}
